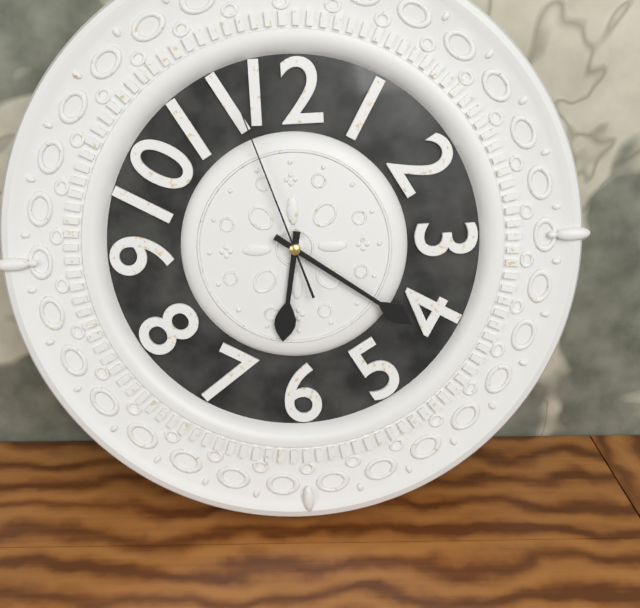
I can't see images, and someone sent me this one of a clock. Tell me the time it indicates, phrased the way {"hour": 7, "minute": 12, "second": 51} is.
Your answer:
{"hour": 6, "minute": 21, "second": 57}
